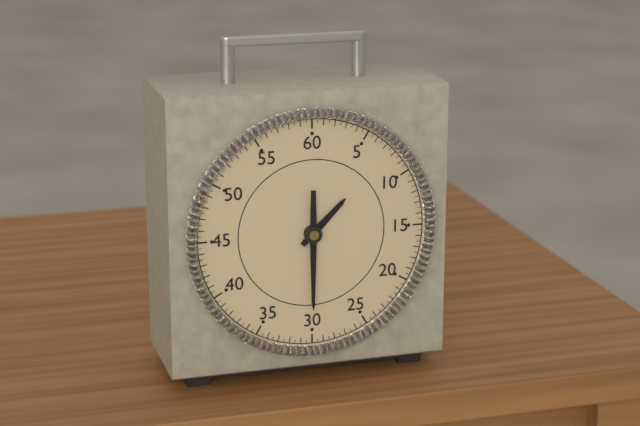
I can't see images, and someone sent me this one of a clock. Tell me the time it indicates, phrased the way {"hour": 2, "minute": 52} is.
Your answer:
{"hour": 1, "minute": 30}
